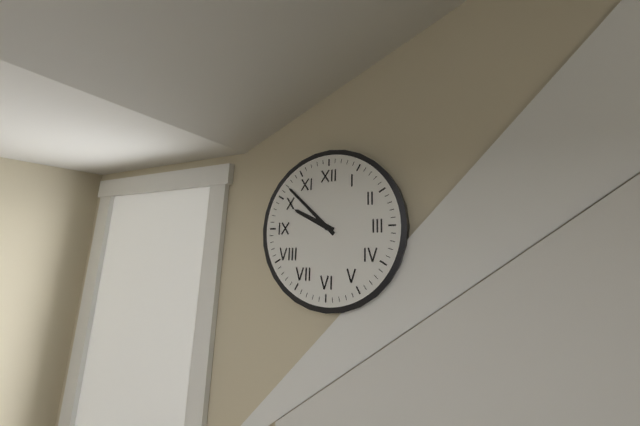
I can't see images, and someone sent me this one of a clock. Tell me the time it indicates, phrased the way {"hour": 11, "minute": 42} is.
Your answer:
{"hour": 9, "minute": 52}
